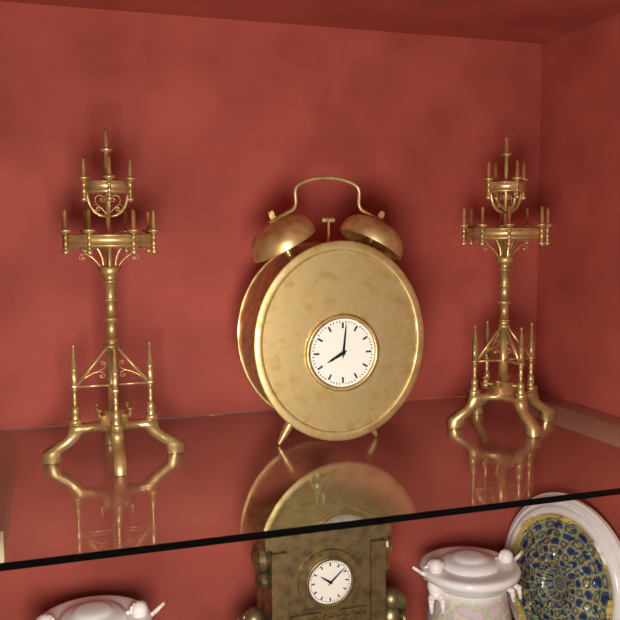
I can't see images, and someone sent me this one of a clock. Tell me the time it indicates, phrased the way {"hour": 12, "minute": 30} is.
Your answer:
{"hour": 8, "minute": 1}
